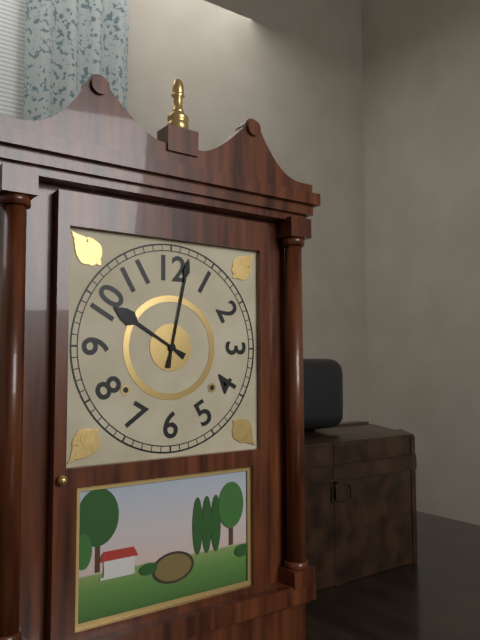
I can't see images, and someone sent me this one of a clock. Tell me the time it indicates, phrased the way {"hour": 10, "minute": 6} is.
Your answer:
{"hour": 10, "minute": 2}
